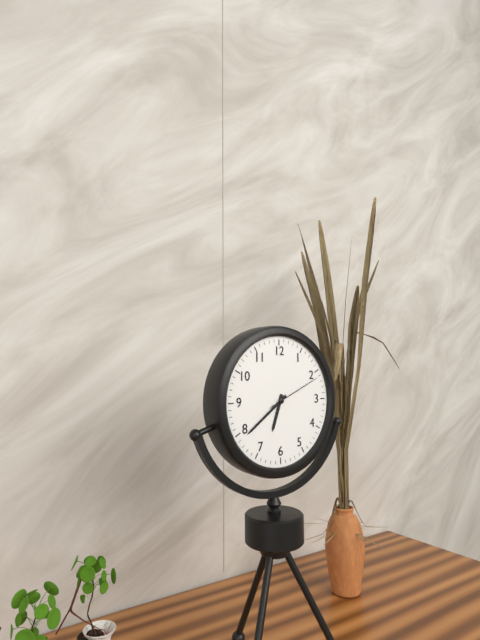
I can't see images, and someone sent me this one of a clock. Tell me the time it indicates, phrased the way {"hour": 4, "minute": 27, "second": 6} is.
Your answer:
{"hour": 6, "minute": 39, "second": 11}
